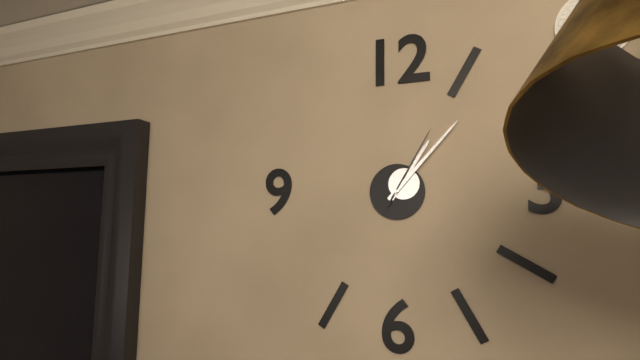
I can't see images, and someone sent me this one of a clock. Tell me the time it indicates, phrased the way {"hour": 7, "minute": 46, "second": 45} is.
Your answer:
{"hour": 1, "minute": 7, "second": 5}
